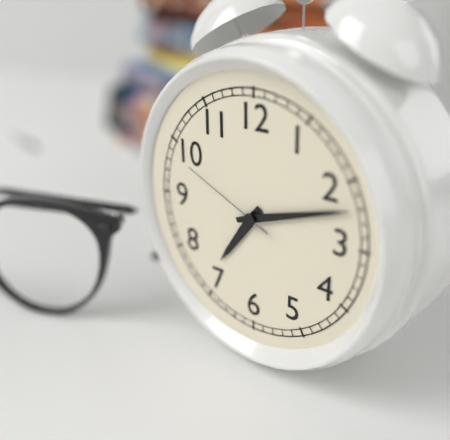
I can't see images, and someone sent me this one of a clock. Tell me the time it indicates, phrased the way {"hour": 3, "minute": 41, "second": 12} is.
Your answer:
{"hour": 7, "minute": 12, "second": 49}
